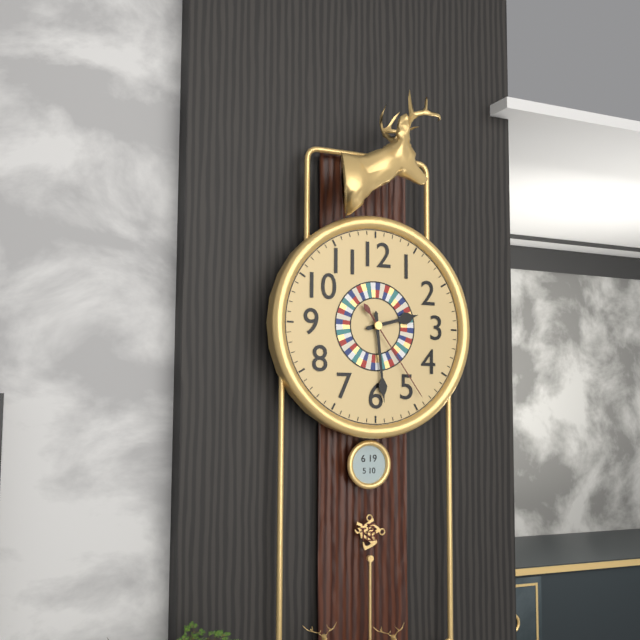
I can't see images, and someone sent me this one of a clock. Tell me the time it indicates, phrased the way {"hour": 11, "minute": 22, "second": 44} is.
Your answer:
{"hour": 2, "minute": 29, "second": 24}
